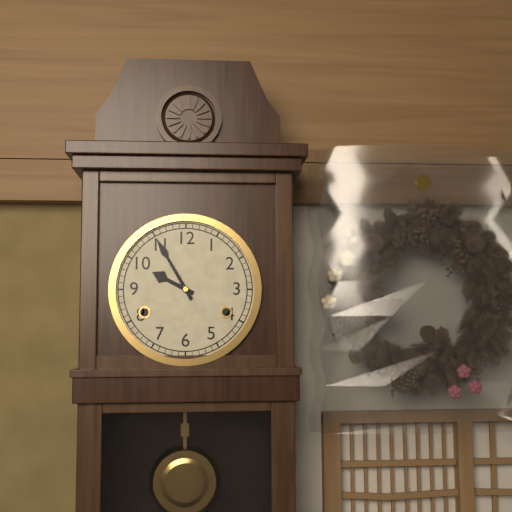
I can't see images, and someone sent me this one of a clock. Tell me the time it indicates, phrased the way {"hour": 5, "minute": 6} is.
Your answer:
{"hour": 9, "minute": 55}
